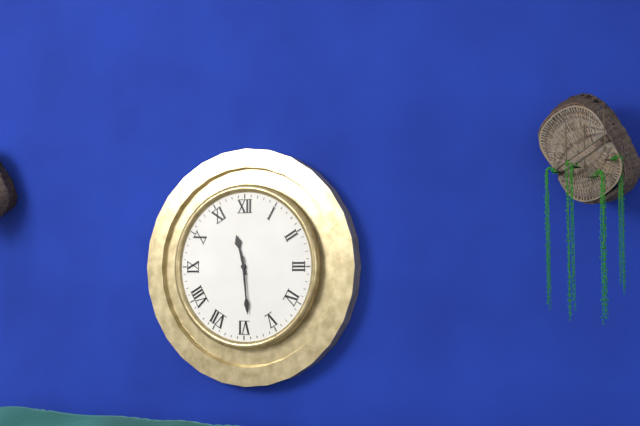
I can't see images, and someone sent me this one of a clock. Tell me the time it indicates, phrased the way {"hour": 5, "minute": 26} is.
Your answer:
{"hour": 11, "minute": 29}
